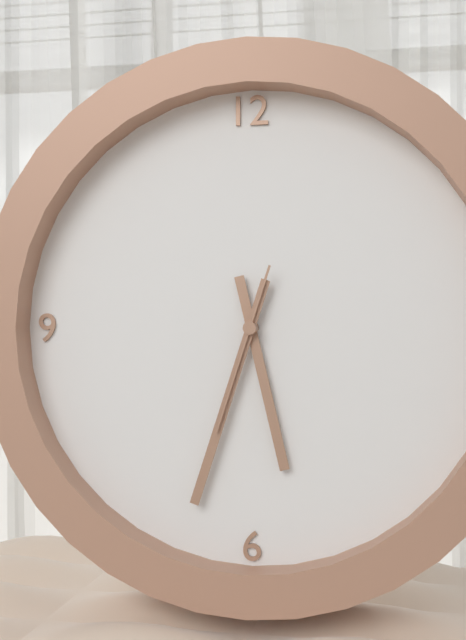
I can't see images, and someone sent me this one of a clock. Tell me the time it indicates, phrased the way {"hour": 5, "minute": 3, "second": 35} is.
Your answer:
{"hour": 5, "minute": 33, "second": 33}
